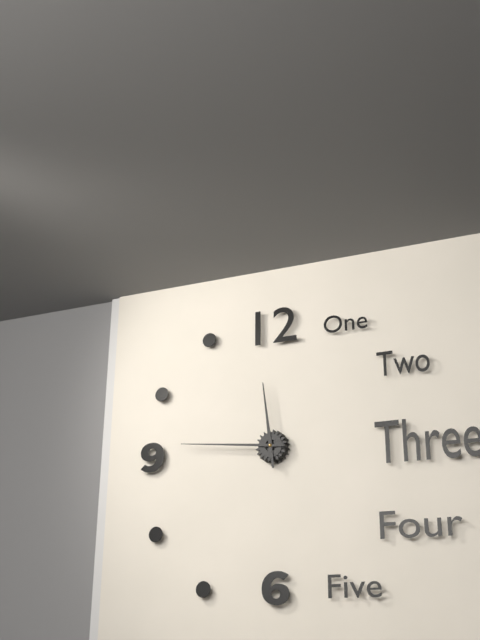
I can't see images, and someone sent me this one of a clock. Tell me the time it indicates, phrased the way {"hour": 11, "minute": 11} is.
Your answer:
{"hour": 11, "minute": 46}
